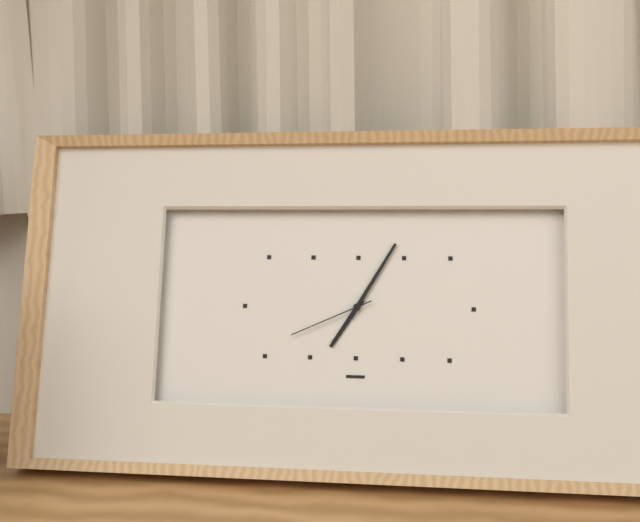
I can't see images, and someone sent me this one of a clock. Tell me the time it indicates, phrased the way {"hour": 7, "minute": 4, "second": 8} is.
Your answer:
{"hour": 7, "minute": 5, "second": 41}
